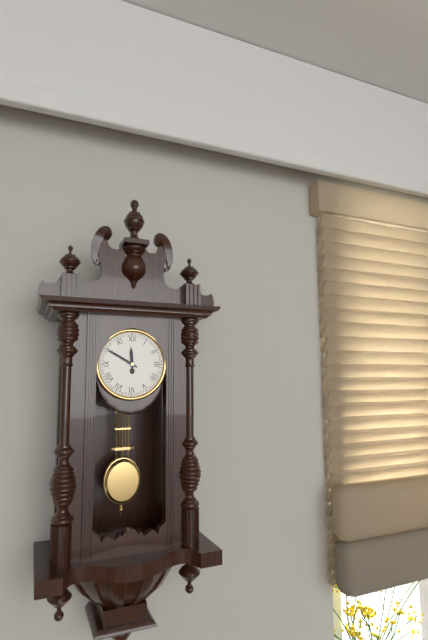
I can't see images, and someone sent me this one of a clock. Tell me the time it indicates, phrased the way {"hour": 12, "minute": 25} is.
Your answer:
{"hour": 11, "minute": 50}
